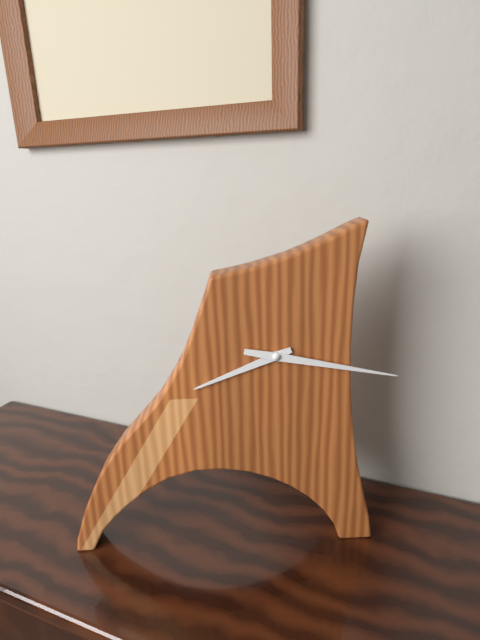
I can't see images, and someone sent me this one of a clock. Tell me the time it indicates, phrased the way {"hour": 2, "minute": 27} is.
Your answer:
{"hour": 8, "minute": 17}
